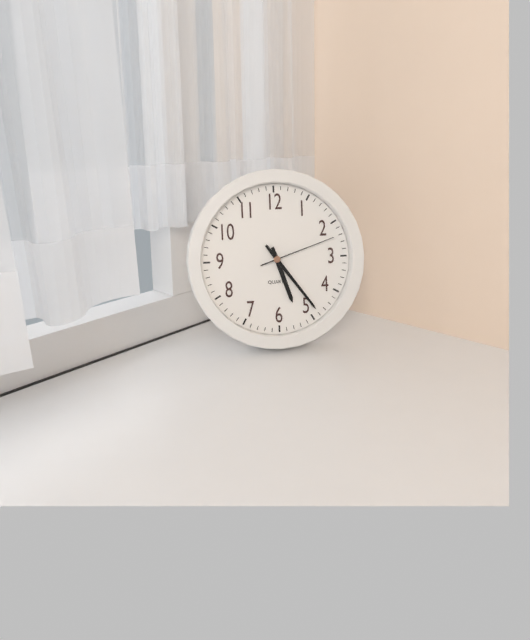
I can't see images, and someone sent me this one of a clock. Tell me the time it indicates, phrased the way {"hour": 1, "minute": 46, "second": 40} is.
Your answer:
{"hour": 5, "minute": 24, "second": 12}
